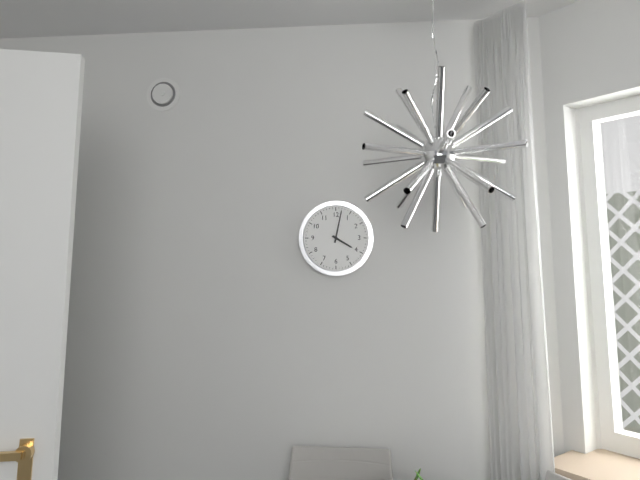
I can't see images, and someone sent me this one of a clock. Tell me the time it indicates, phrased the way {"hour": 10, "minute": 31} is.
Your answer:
{"hour": 4, "minute": 2}
